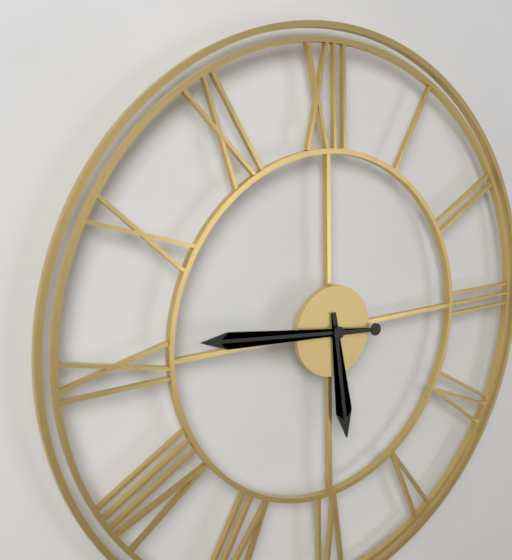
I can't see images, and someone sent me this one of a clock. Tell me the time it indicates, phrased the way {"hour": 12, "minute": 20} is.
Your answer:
{"hour": 5, "minute": 46}
